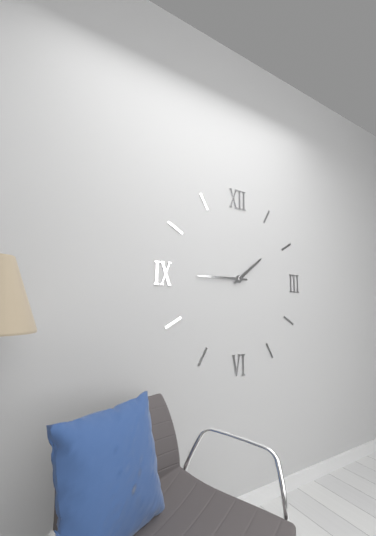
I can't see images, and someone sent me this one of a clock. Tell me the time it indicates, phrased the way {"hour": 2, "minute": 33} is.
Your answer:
{"hour": 1, "minute": 45}
